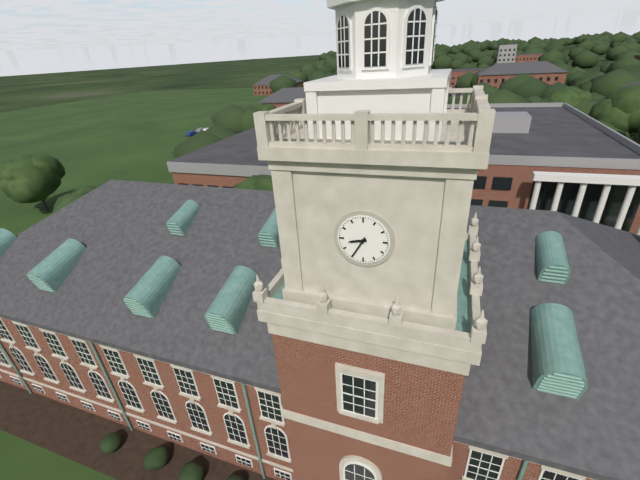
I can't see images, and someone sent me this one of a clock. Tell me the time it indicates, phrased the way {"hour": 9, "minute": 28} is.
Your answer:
{"hour": 8, "minute": 35}
